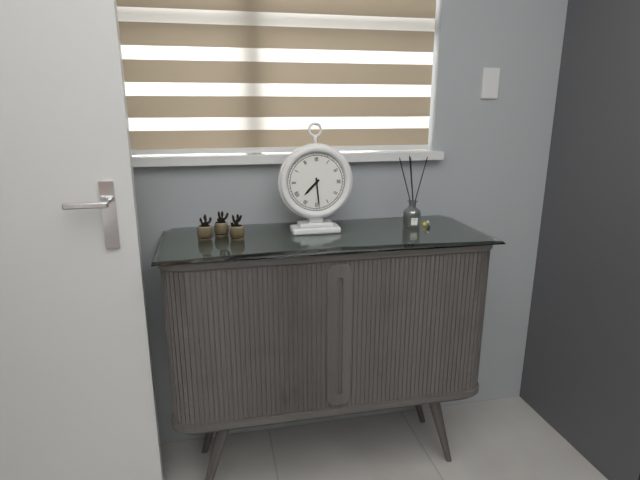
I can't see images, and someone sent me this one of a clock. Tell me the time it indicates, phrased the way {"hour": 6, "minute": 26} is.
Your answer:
{"hour": 7, "minute": 29}
